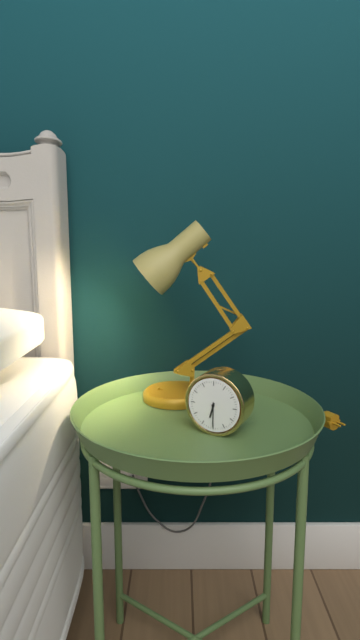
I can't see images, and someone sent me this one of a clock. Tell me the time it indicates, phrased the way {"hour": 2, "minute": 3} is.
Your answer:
{"hour": 6, "minute": 30}
